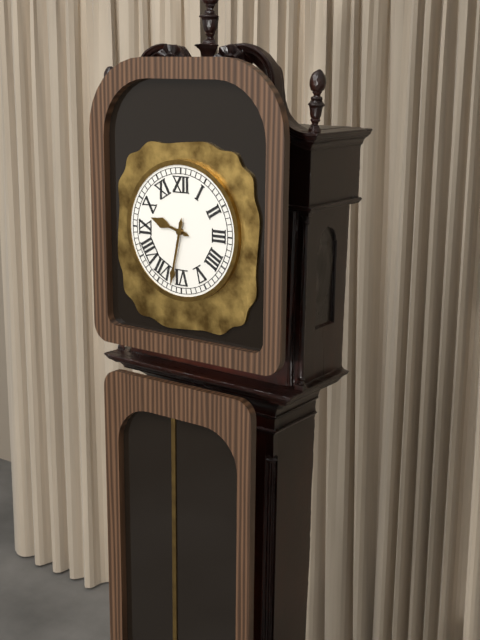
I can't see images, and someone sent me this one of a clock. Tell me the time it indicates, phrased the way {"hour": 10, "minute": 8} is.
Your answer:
{"hour": 9, "minute": 32}
